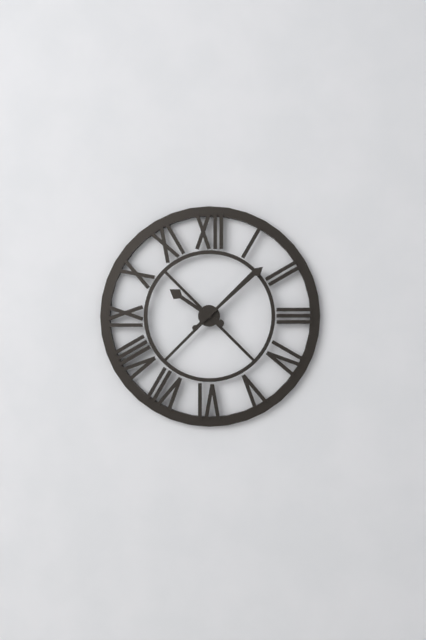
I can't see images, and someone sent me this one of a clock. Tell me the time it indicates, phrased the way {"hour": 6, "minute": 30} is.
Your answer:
{"hour": 10, "minute": 8}
